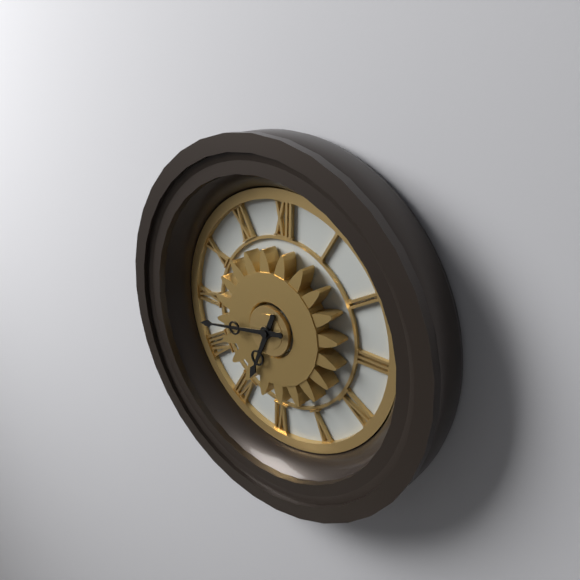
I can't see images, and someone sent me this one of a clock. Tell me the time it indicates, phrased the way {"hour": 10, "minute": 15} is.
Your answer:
{"hour": 6, "minute": 43}
